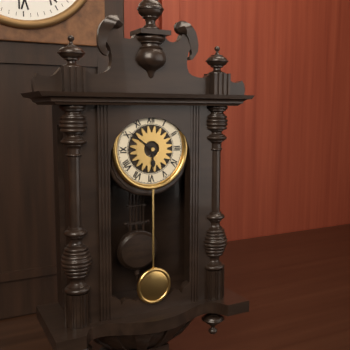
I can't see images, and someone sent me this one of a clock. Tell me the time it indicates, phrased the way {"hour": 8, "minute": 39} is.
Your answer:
{"hour": 5, "minute": 51}
